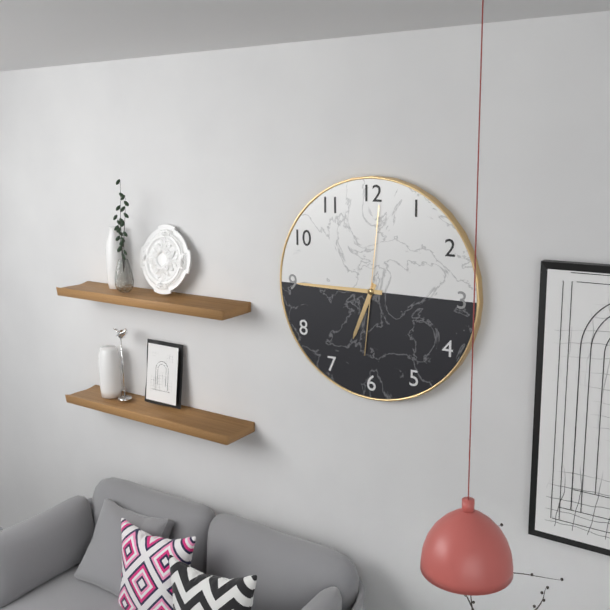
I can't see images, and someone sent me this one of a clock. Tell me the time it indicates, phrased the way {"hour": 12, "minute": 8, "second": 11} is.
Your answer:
{"hour": 6, "minute": 45, "second": 1}
